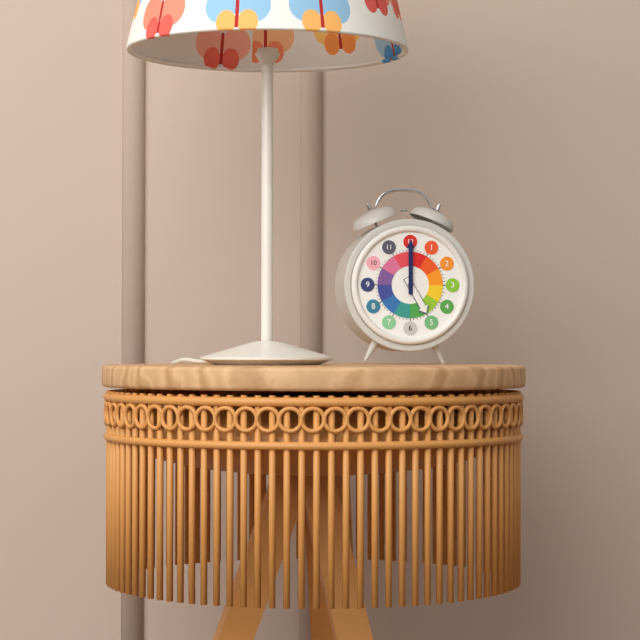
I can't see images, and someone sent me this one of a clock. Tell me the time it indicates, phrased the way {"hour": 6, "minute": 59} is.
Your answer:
{"hour": 5, "minute": 0}
